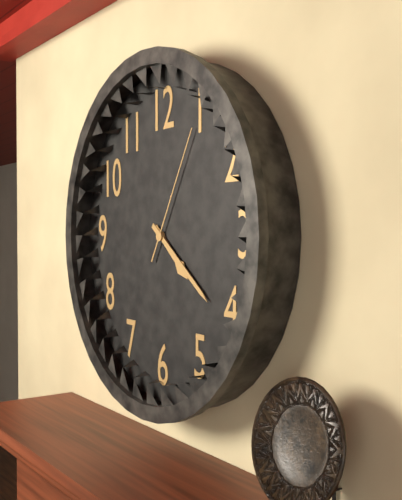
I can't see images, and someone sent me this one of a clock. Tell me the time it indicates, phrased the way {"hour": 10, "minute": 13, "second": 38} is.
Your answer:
{"hour": 4, "minute": 21, "second": 5}
